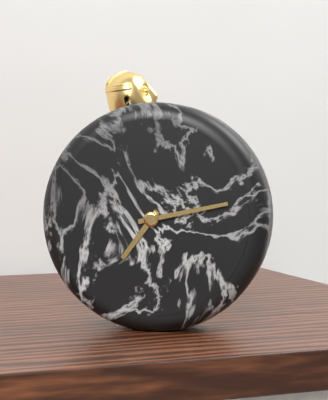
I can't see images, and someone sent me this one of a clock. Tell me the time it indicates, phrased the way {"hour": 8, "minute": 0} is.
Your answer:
{"hour": 7, "minute": 13}
